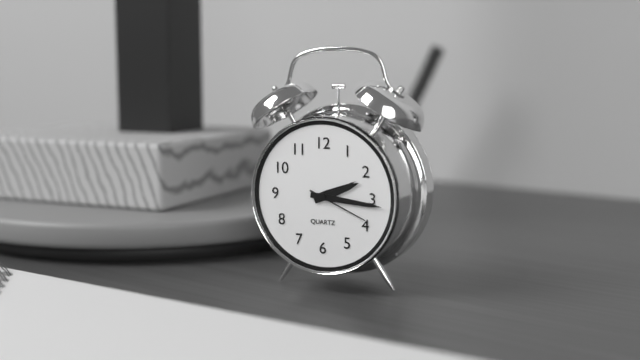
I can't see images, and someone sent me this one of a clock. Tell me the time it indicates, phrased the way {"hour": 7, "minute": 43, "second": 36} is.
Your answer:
{"hour": 2, "minute": 16, "second": 19}
